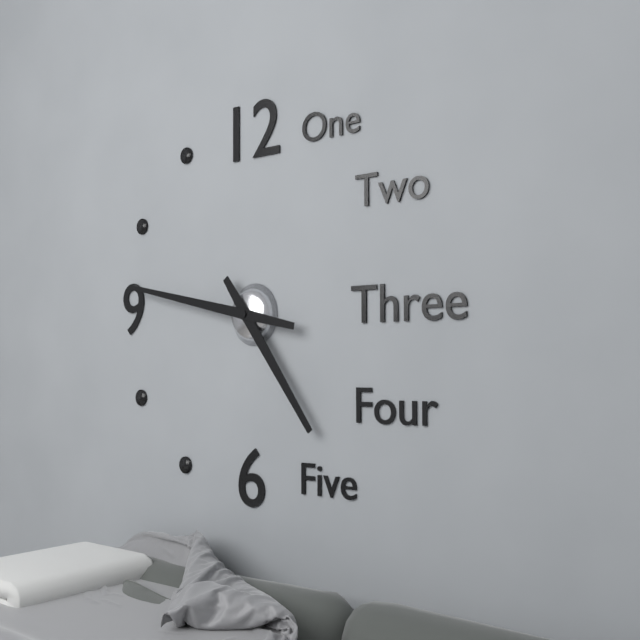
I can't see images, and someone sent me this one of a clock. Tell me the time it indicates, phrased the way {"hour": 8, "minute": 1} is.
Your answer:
{"hour": 4, "minute": 47}
